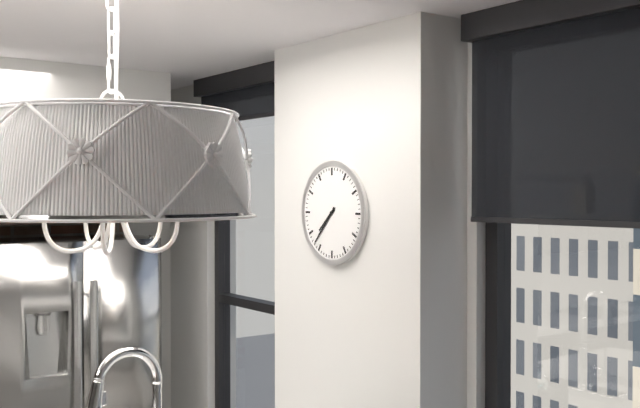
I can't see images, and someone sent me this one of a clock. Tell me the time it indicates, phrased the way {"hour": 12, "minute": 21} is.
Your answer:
{"hour": 7, "minute": 37}
